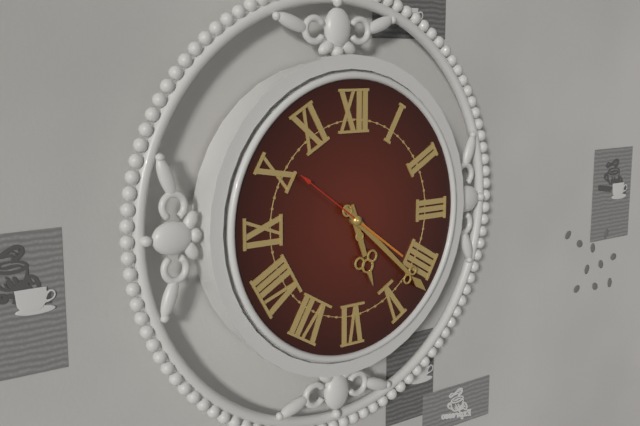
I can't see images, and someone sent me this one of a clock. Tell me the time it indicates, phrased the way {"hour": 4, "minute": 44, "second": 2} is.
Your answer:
{"hour": 5, "minute": 22, "second": 51}
